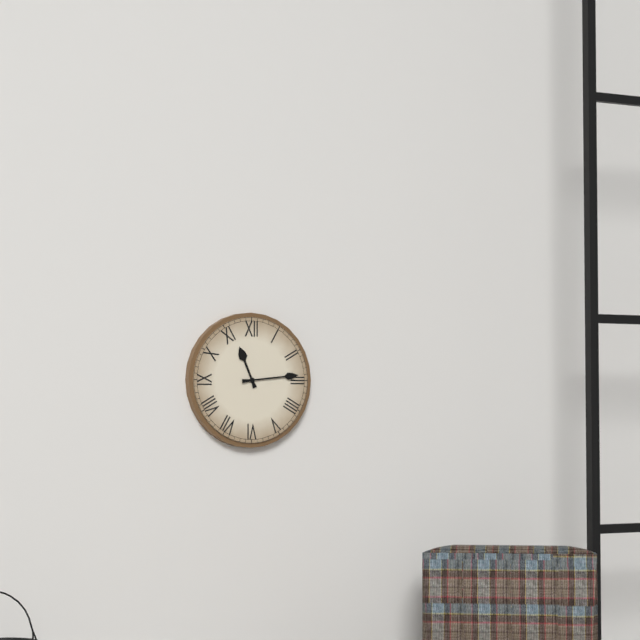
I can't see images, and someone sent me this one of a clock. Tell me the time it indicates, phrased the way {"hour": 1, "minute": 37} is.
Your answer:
{"hour": 11, "minute": 14}
